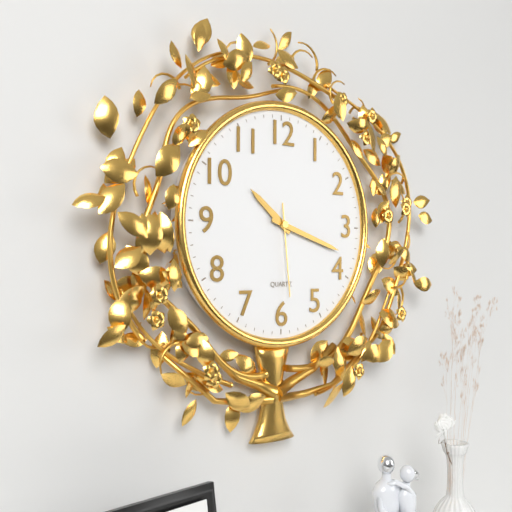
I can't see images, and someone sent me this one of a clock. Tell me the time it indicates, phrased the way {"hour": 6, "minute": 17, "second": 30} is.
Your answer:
{"hour": 10, "minute": 18, "second": 29}
